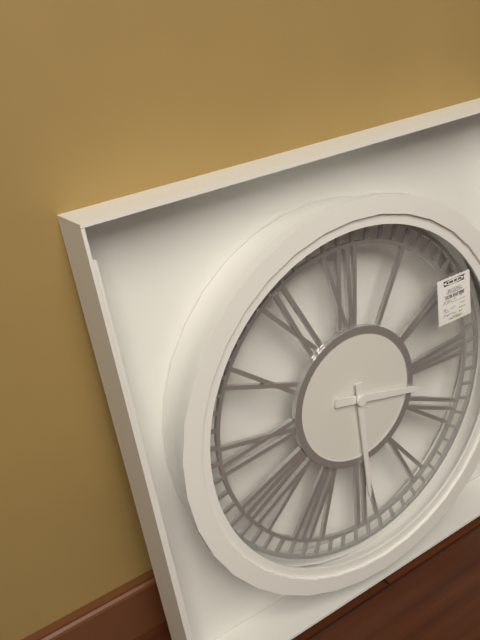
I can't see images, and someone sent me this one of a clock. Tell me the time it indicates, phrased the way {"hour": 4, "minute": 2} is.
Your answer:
{"hour": 3, "minute": 30}
